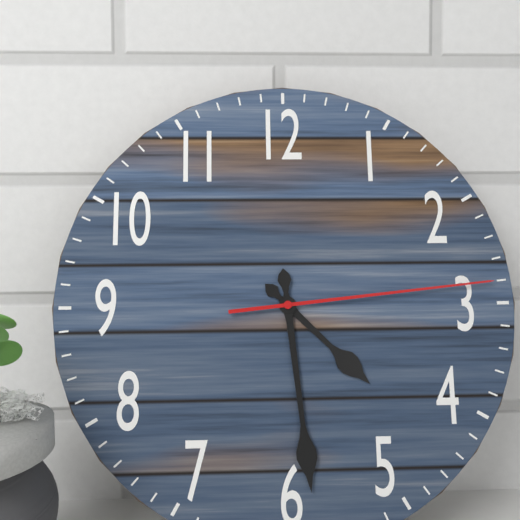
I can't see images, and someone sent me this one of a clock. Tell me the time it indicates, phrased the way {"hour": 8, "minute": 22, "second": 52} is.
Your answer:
{"hour": 4, "minute": 29, "second": 14}
